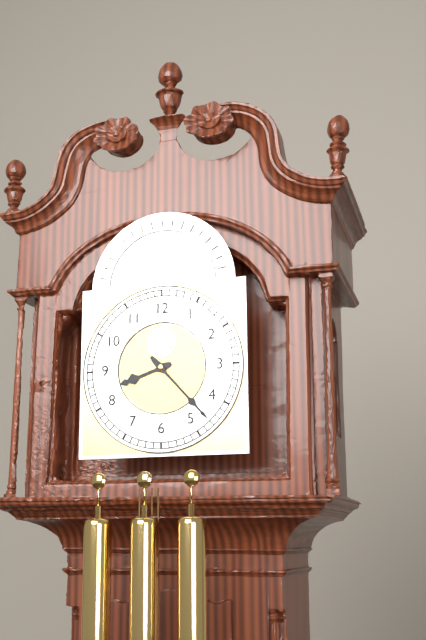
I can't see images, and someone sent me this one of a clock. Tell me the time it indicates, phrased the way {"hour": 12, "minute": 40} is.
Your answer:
{"hour": 8, "minute": 23}
